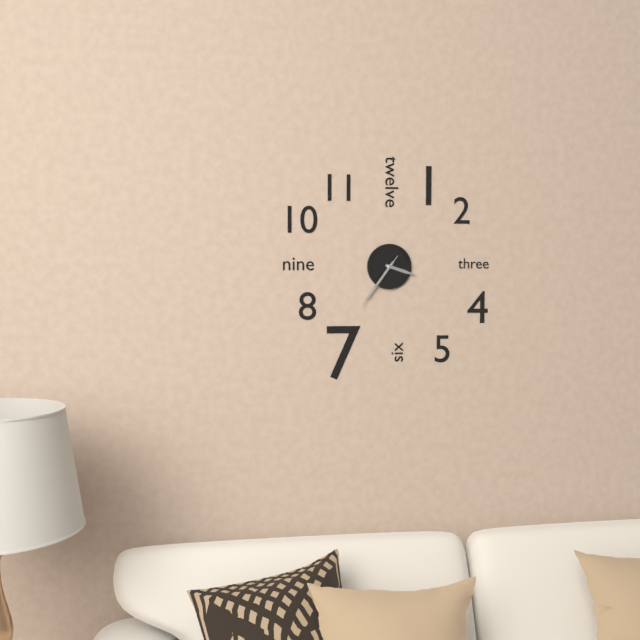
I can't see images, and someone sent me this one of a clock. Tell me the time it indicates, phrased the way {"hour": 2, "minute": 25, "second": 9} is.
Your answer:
{"hour": 3, "minute": 36, "second": 36}
